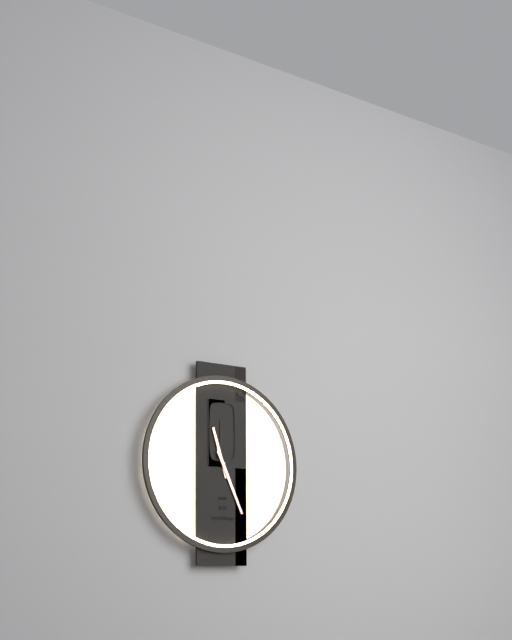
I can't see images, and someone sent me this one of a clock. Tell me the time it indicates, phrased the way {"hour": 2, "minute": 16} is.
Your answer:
{"hour": 11, "minute": 26}
